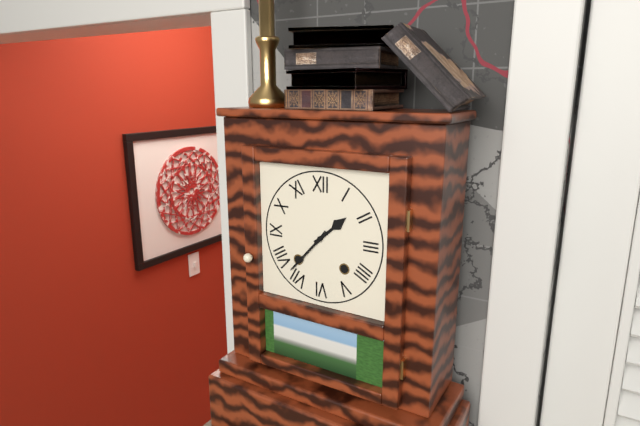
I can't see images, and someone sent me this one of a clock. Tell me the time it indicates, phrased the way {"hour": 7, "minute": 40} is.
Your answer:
{"hour": 1, "minute": 37}
